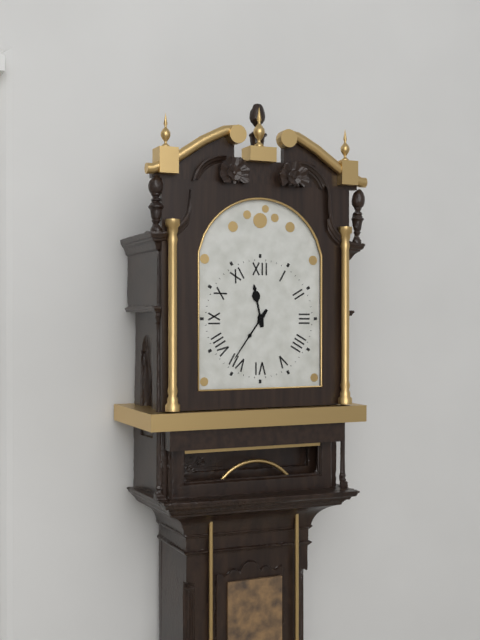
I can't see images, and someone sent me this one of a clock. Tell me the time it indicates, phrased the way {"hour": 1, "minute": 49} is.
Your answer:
{"hour": 11, "minute": 36}
